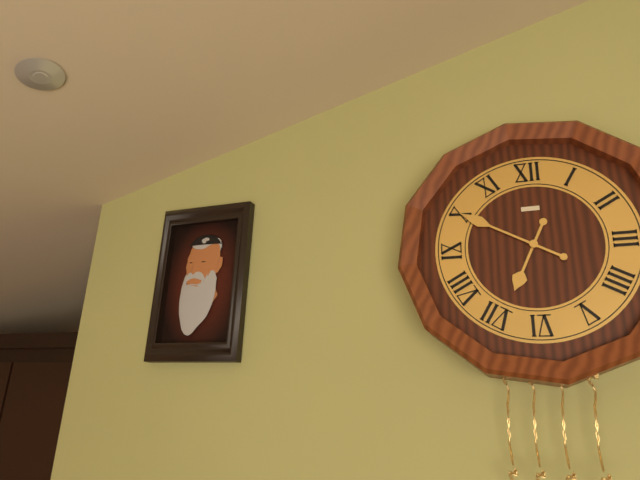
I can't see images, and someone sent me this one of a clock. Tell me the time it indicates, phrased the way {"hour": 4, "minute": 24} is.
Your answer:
{"hour": 6, "minute": 50}
